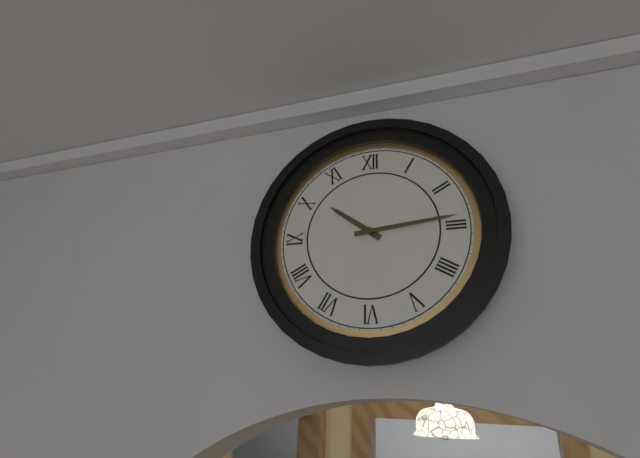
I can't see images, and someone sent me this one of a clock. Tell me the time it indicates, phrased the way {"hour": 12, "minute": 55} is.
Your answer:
{"hour": 10, "minute": 14}
